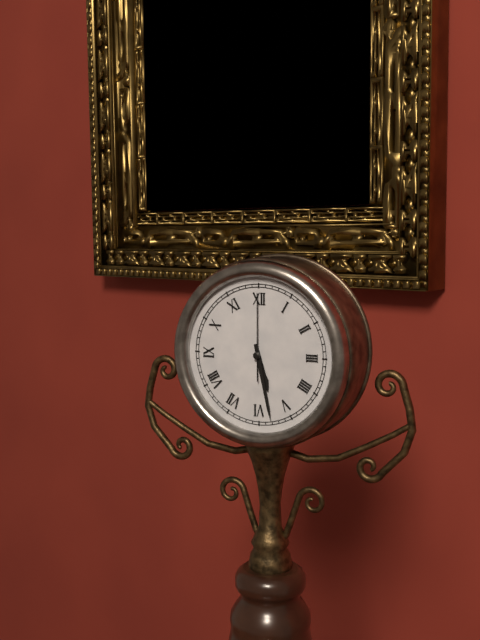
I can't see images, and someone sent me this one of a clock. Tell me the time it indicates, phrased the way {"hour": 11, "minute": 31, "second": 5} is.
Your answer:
{"hour": 5, "minute": 28, "second": 0}
